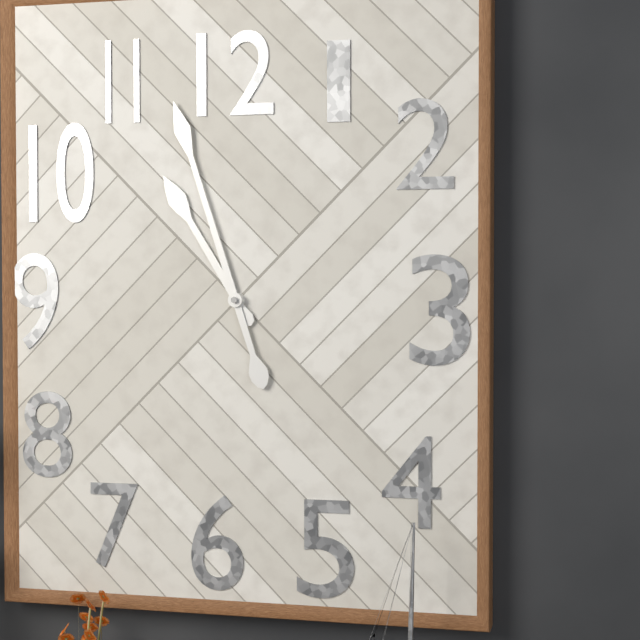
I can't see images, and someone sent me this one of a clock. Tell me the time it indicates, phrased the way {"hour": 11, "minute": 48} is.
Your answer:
{"hour": 10, "minute": 57}
